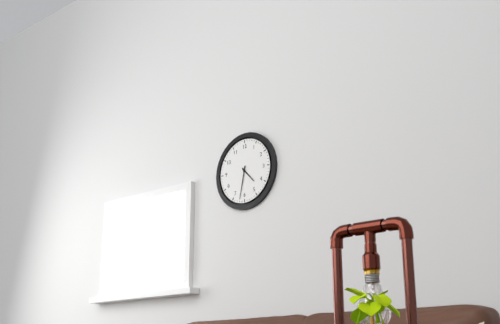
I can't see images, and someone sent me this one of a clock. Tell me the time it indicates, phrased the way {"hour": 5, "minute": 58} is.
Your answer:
{"hour": 4, "minute": 32}
